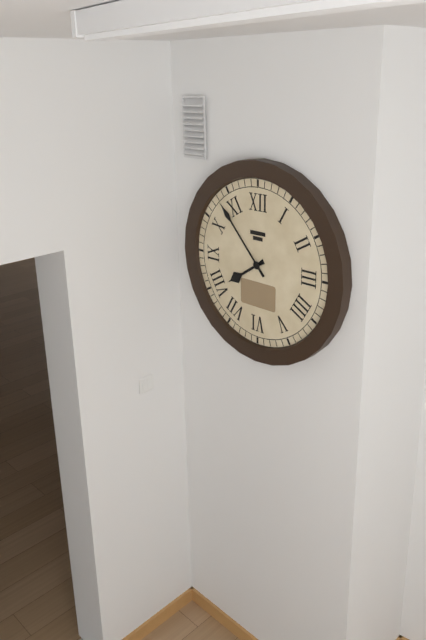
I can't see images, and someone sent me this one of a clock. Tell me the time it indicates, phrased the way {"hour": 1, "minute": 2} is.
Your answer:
{"hour": 7, "minute": 53}
